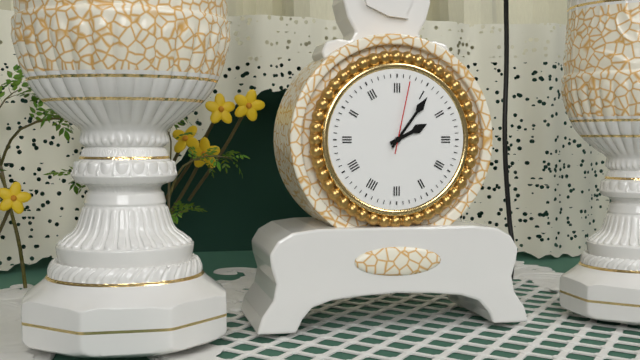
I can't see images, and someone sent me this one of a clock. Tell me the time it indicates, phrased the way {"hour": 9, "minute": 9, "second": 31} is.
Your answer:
{"hour": 2, "minute": 6, "second": 2}
